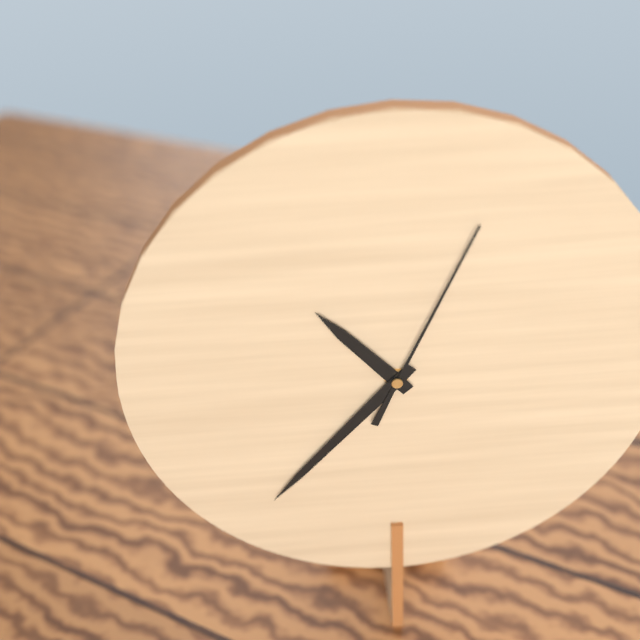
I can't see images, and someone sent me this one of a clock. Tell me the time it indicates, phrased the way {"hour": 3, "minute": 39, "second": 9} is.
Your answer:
{"hour": 10, "minute": 37, "second": 4}
